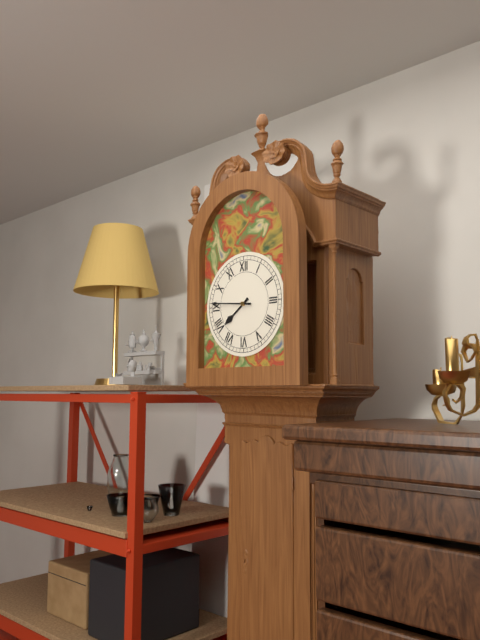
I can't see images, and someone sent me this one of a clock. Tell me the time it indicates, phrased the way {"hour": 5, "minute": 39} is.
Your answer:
{"hour": 7, "minute": 46}
